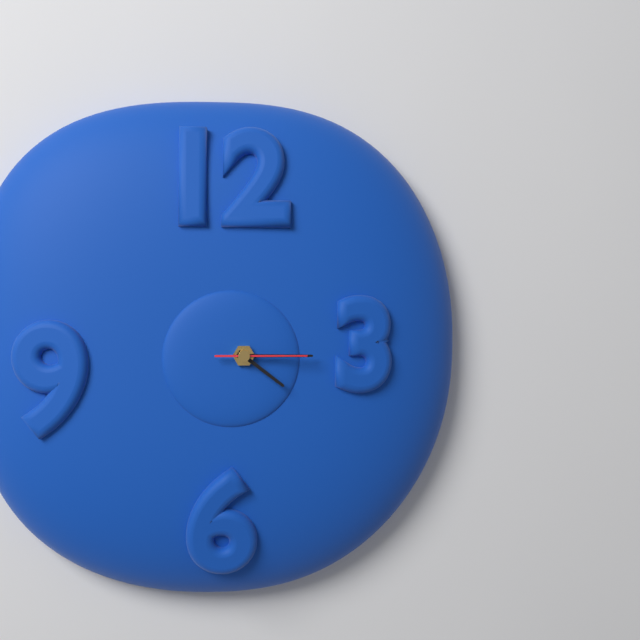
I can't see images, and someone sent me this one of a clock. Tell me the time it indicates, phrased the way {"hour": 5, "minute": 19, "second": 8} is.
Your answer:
{"hour": 4, "minute": 15, "second": 15}
